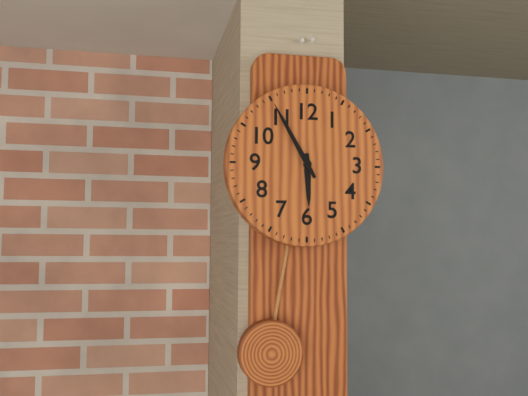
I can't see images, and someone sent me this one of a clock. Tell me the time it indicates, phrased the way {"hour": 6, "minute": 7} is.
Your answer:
{"hour": 5, "minute": 55}
